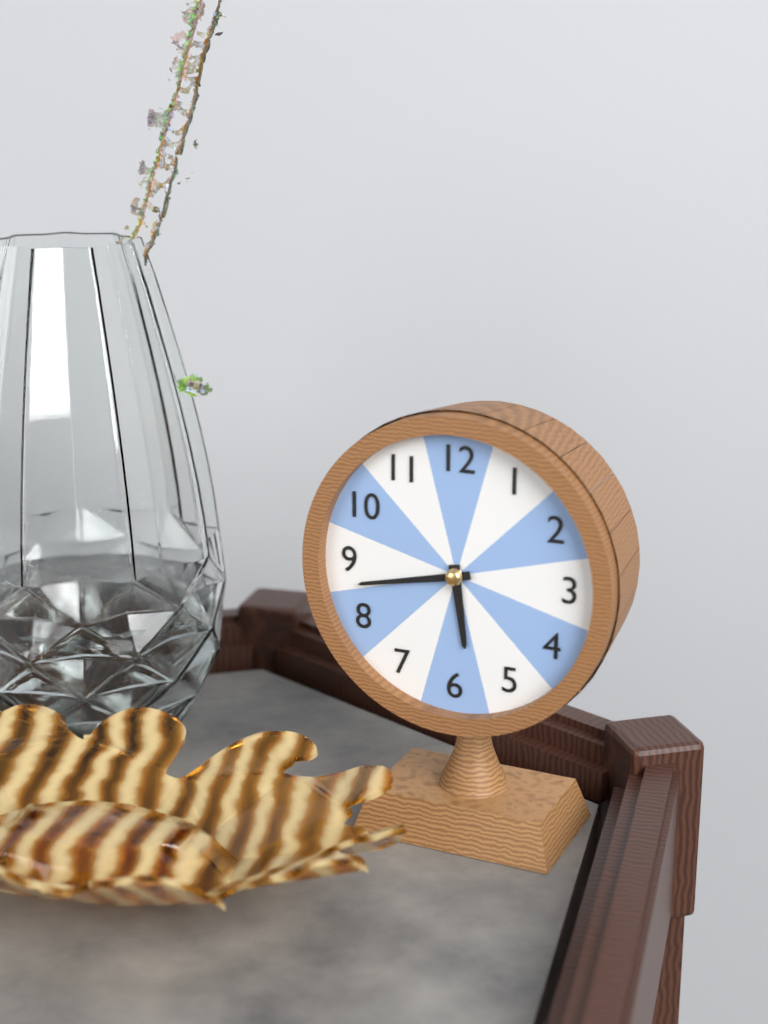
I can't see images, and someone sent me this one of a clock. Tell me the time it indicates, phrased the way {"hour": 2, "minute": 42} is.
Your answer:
{"hour": 5, "minute": 43}
